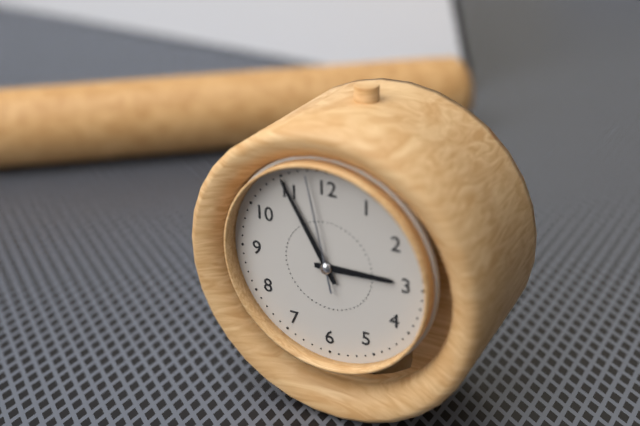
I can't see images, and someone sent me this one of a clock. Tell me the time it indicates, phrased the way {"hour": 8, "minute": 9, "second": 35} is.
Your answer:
{"hour": 2, "minute": 55, "second": 58}
